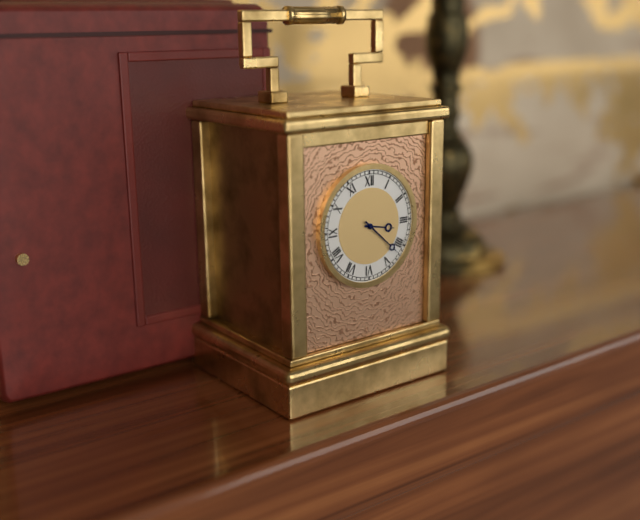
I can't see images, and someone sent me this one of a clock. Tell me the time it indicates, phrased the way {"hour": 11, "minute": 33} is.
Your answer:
{"hour": 3, "minute": 22}
